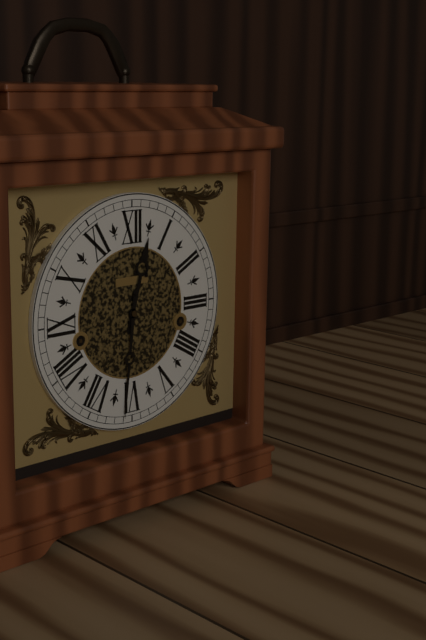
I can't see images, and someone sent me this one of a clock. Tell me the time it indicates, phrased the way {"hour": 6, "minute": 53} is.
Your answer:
{"hour": 12, "minute": 31}
